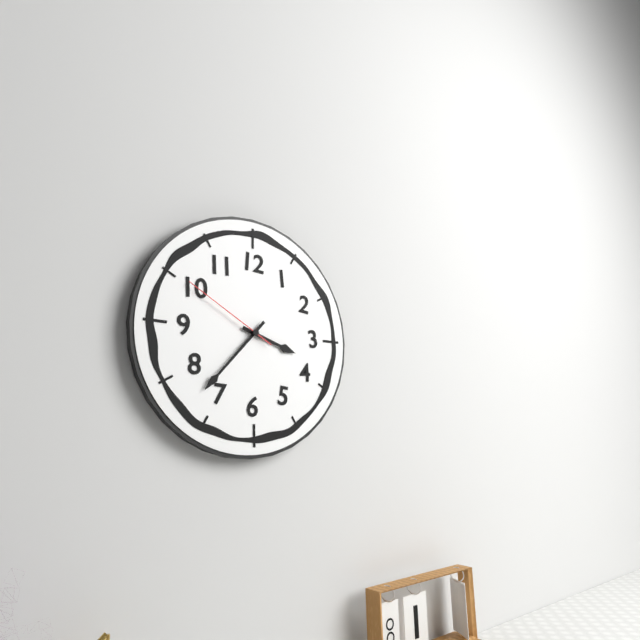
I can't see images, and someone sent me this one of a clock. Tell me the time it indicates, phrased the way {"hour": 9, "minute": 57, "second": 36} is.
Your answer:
{"hour": 3, "minute": 37, "second": 50}
